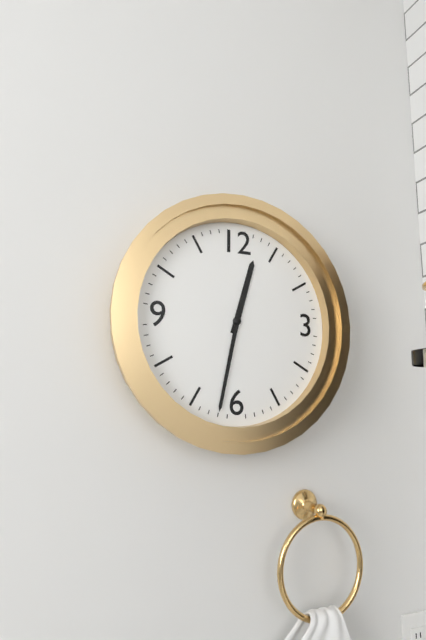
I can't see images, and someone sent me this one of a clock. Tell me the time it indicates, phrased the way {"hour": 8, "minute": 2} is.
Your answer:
{"hour": 12, "minute": 32}
